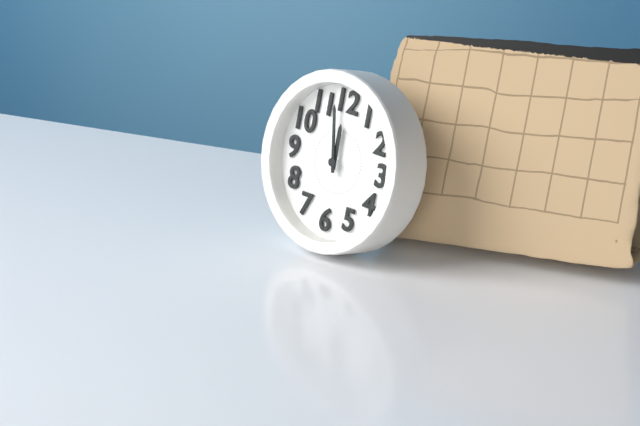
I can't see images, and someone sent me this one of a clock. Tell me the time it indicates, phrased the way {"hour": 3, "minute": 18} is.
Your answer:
{"hour": 11, "minute": 58}
